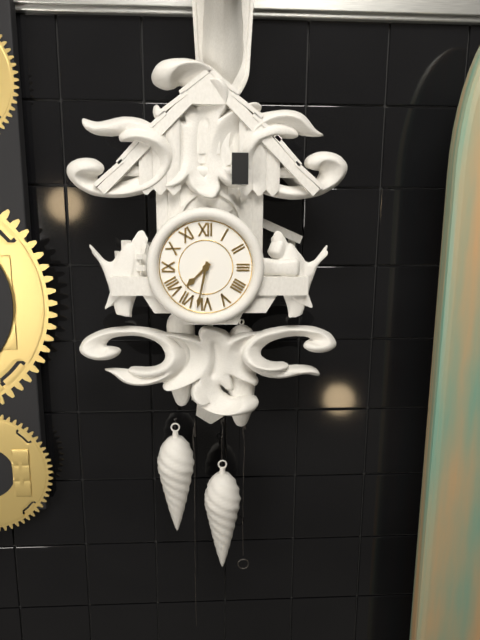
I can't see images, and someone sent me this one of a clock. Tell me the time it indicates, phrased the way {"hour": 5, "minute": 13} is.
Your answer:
{"hour": 7, "minute": 32}
